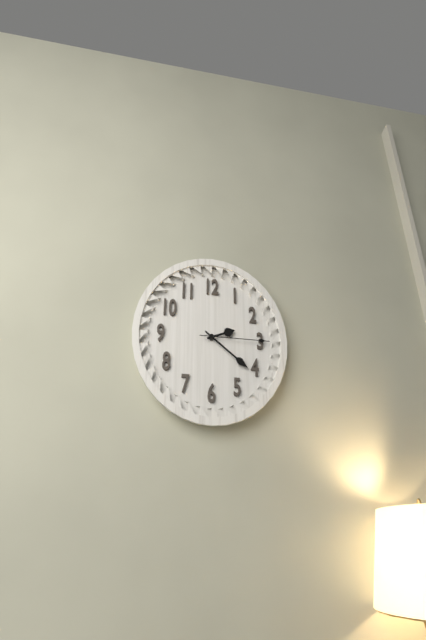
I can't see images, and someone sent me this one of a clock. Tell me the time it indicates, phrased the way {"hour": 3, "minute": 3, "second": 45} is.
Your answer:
{"hour": 2, "minute": 21, "second": 15}
